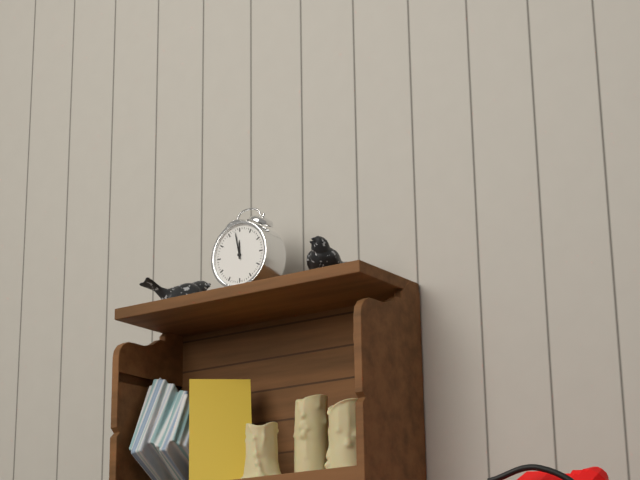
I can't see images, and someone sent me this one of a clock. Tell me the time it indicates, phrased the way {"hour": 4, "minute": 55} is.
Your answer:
{"hour": 11, "minute": 58}
